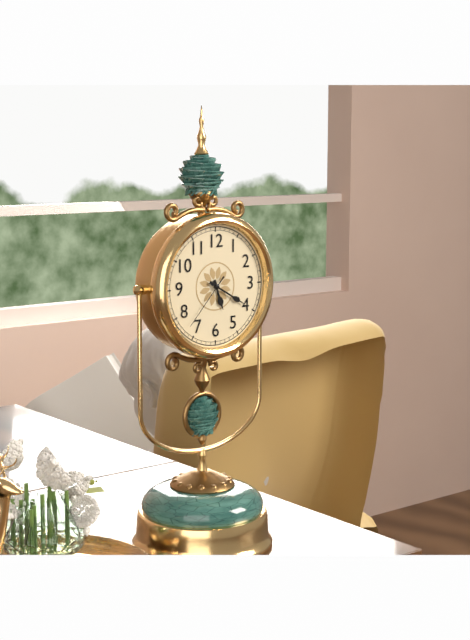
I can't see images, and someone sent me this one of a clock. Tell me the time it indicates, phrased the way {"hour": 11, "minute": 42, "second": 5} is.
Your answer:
{"hour": 5, "minute": 20, "second": 37}
